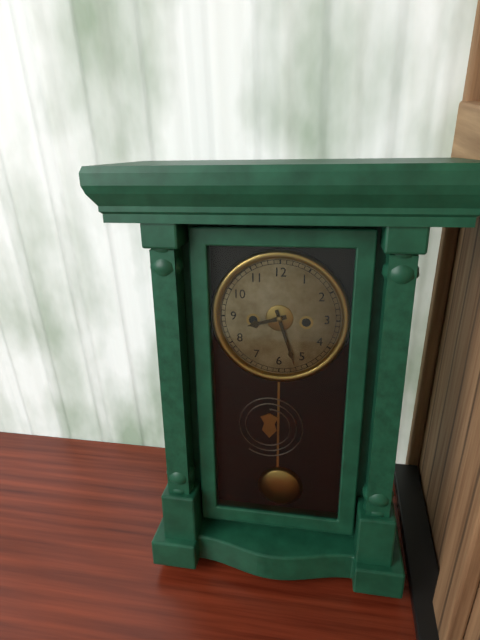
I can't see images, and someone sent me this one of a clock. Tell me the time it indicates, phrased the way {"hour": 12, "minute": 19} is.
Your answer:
{"hour": 8, "minute": 27}
